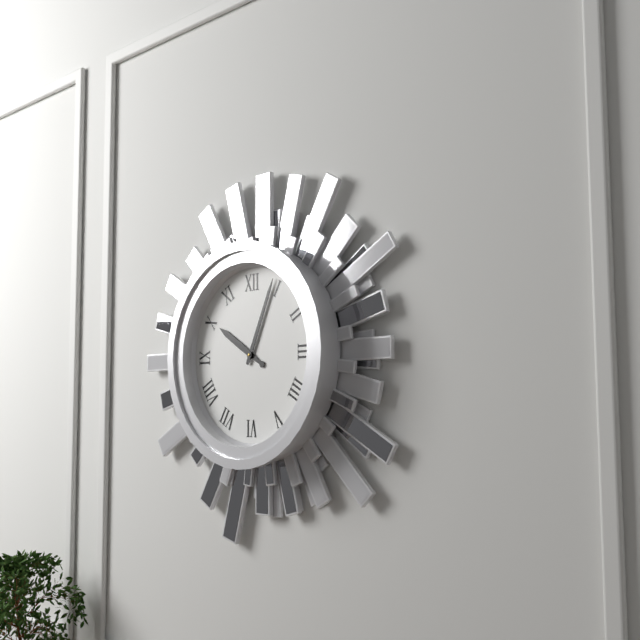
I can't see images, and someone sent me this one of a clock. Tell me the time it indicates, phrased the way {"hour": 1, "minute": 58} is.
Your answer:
{"hour": 10, "minute": 4}
